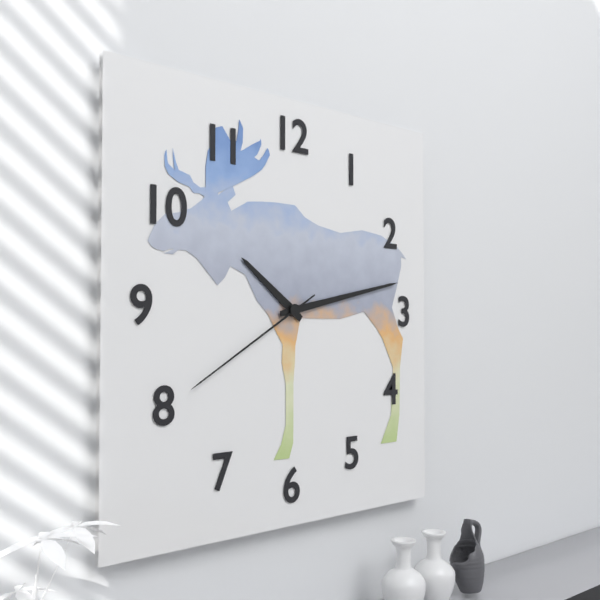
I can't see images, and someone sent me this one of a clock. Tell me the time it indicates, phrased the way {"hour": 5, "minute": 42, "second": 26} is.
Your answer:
{"hour": 10, "minute": 13, "second": 40}
